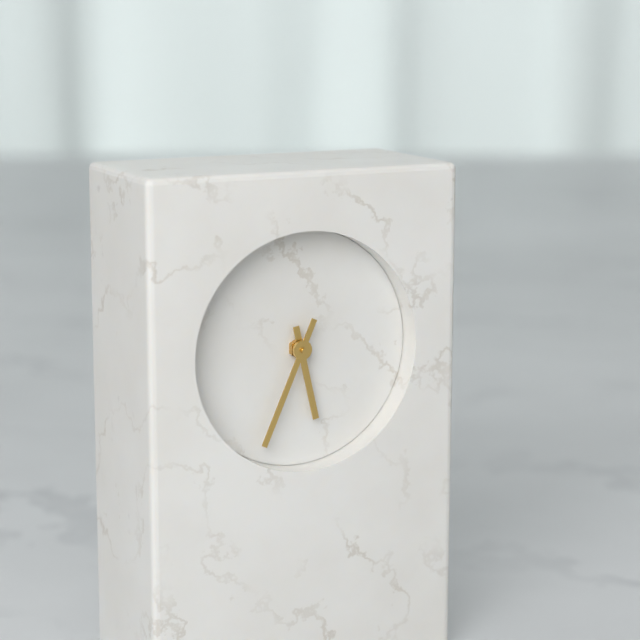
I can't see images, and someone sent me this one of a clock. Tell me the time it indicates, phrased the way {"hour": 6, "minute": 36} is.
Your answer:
{"hour": 5, "minute": 34}
